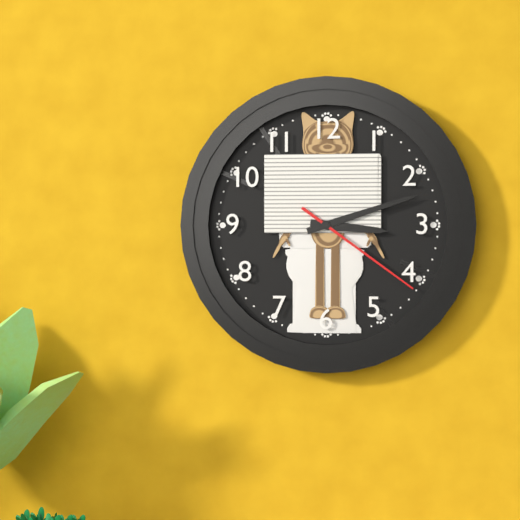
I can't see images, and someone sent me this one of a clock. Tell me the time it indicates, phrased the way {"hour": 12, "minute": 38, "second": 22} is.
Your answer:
{"hour": 3, "minute": 12, "second": 21}
